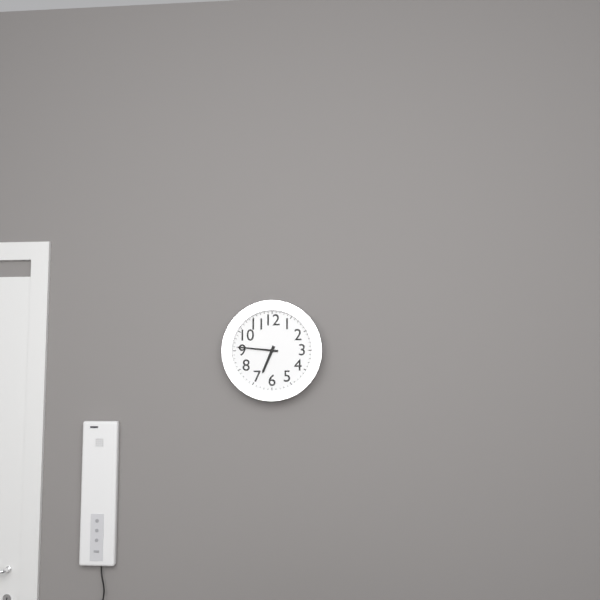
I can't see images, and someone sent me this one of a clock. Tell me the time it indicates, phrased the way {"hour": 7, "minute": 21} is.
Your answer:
{"hour": 6, "minute": 46}
